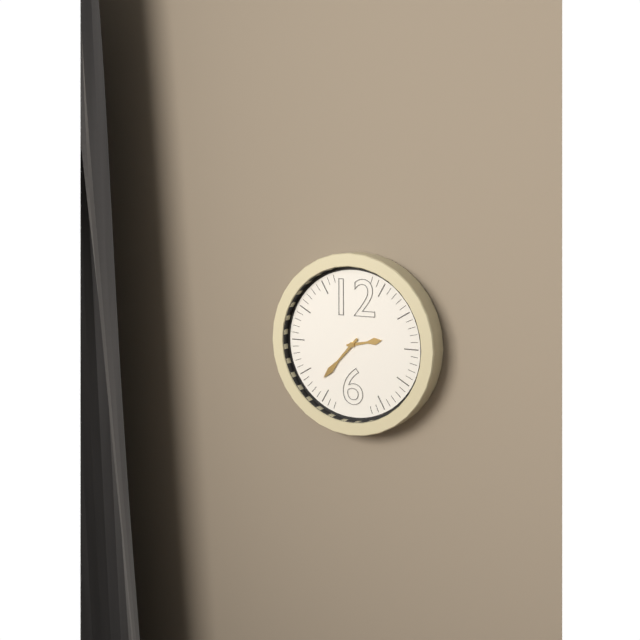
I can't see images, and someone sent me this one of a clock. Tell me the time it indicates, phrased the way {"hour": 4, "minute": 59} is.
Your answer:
{"hour": 2, "minute": 37}
